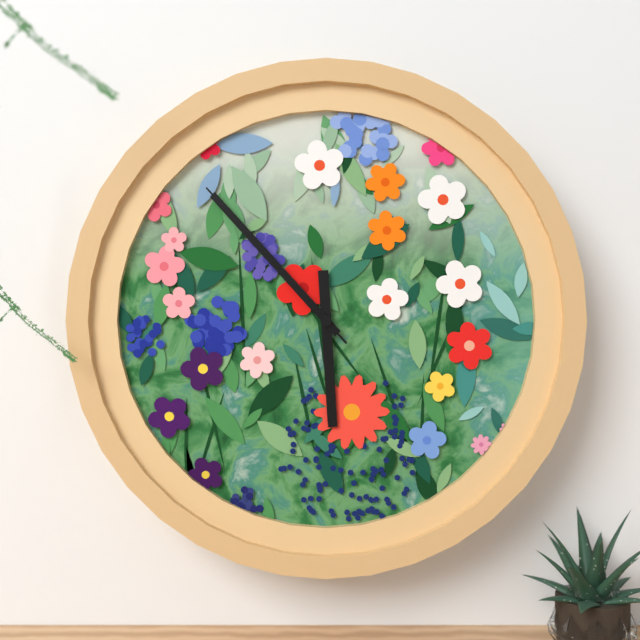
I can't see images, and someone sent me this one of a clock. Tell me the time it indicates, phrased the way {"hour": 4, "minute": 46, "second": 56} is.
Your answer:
{"hour": 5, "minute": 53, "second": 53}
